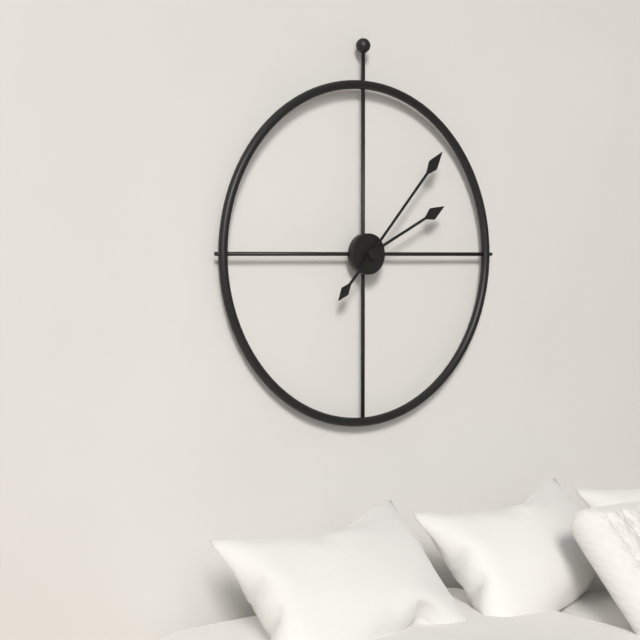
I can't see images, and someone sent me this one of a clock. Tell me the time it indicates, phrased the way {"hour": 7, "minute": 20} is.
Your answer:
{"hour": 2, "minute": 7}
